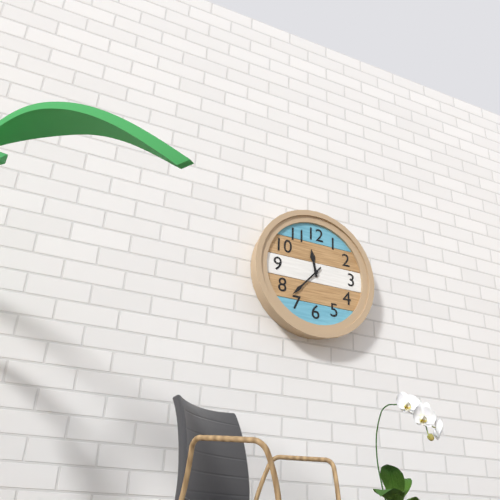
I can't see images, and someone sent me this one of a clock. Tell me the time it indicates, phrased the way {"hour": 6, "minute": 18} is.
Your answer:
{"hour": 11, "minute": 37}
